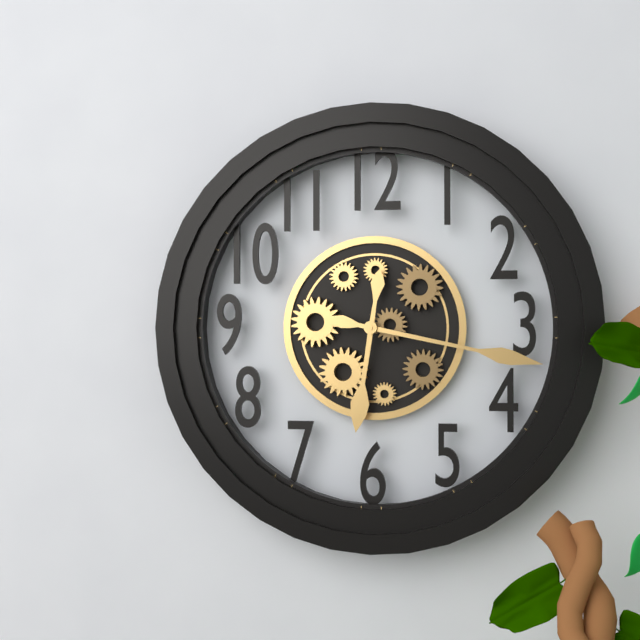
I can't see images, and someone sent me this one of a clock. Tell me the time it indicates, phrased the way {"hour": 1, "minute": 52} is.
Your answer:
{"hour": 6, "minute": 17}
